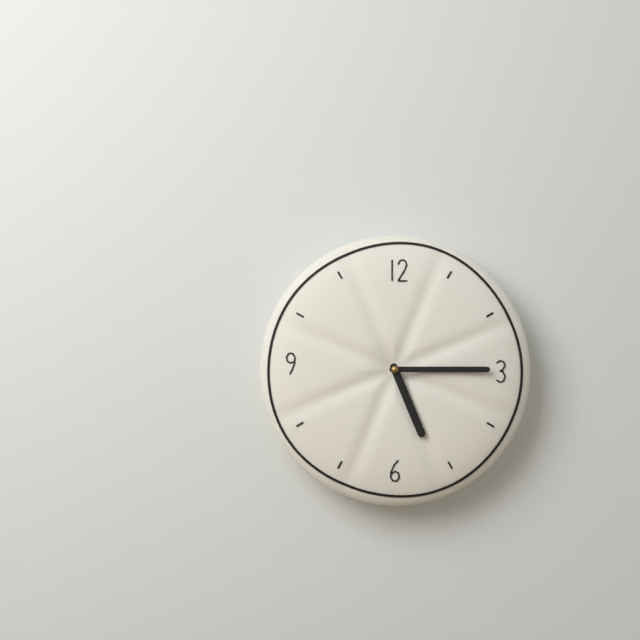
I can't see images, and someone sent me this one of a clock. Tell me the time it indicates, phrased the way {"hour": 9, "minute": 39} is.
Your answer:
{"hour": 5, "minute": 15}
